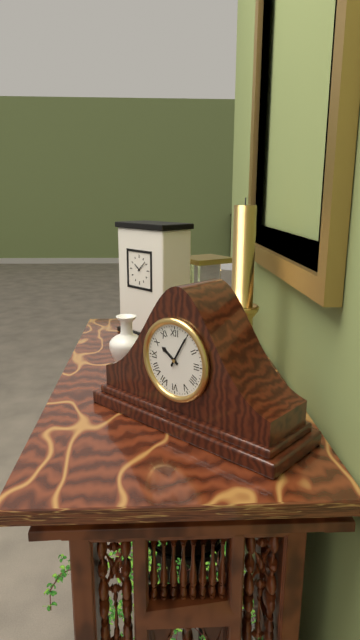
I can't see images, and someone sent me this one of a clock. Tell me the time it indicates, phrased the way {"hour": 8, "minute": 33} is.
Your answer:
{"hour": 10, "minute": 5}
